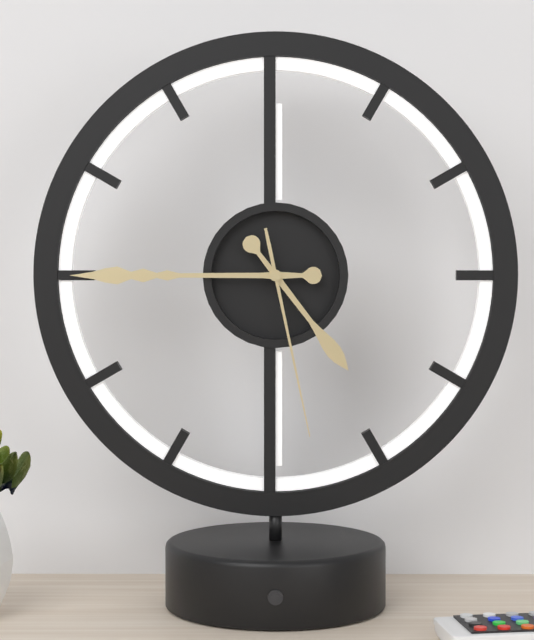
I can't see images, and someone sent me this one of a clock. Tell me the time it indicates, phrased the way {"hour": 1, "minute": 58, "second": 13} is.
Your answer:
{"hour": 4, "minute": 45, "second": 28}
